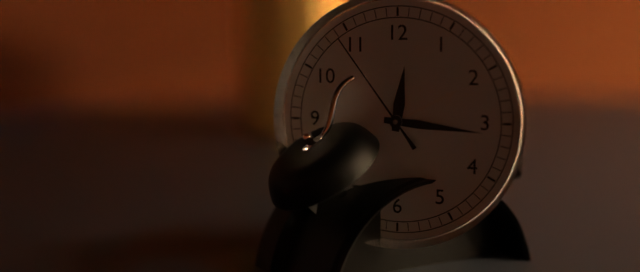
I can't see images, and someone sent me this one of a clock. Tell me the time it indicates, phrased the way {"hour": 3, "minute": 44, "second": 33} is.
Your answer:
{"hour": 12, "minute": 16, "second": 54}
